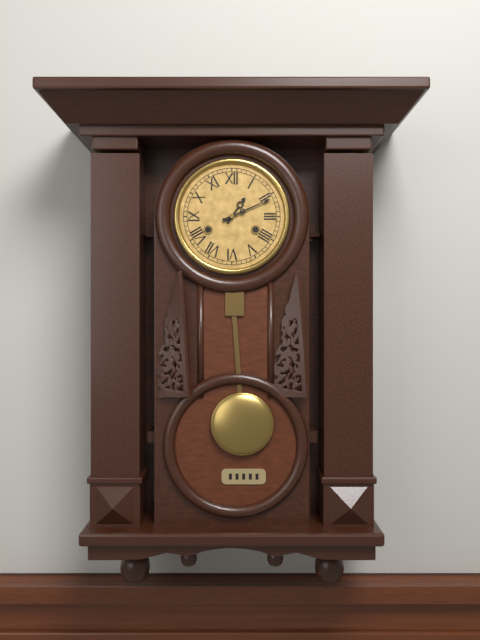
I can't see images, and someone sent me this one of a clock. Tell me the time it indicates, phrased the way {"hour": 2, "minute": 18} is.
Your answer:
{"hour": 1, "minute": 11}
